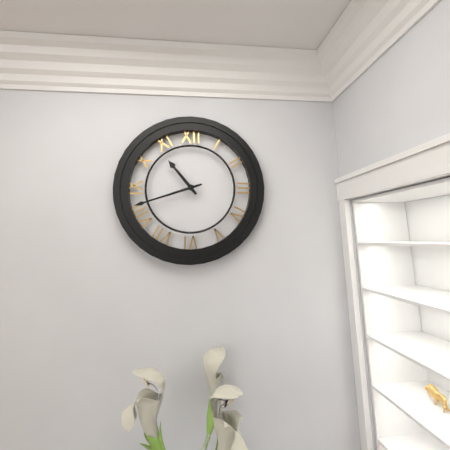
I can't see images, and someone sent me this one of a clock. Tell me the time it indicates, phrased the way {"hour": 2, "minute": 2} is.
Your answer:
{"hour": 10, "minute": 42}
